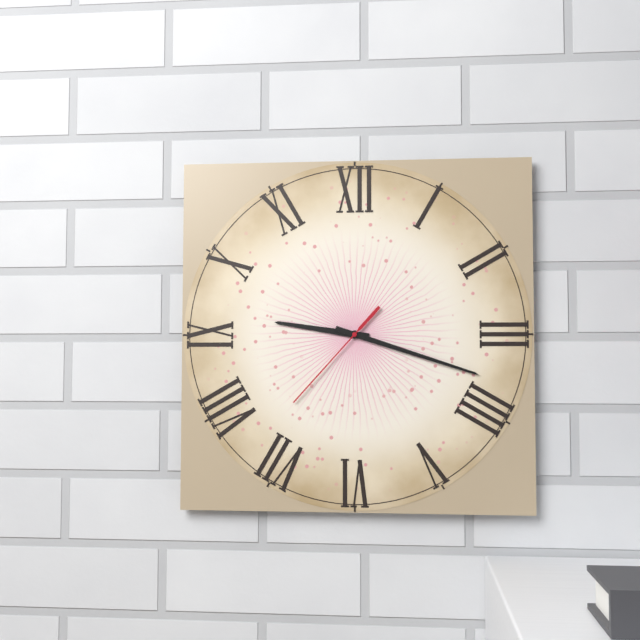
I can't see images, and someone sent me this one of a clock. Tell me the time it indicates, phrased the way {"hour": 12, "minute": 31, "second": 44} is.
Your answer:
{"hour": 9, "minute": 18, "second": 37}
